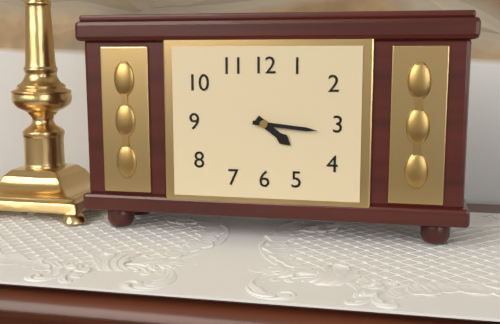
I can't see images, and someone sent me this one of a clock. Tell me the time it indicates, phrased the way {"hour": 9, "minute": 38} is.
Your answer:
{"hour": 4, "minute": 16}
